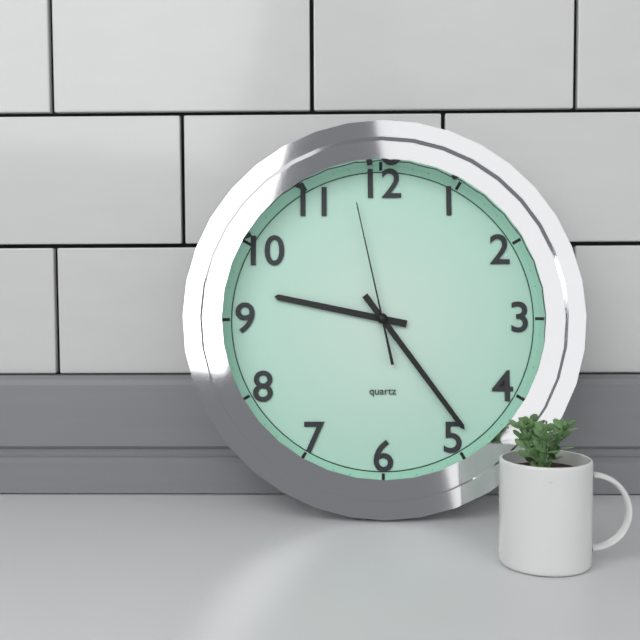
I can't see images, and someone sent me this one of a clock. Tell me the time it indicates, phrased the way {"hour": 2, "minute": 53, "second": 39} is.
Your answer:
{"hour": 9, "minute": 24, "second": 58}
